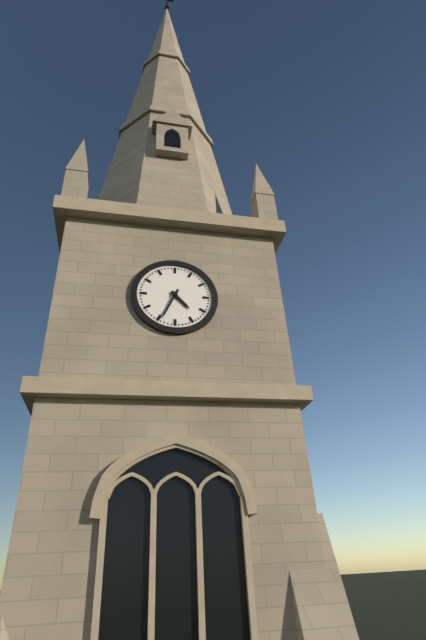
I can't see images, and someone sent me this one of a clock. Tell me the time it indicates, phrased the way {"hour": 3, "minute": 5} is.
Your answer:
{"hour": 4, "minute": 34}
